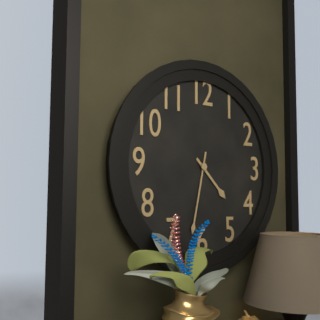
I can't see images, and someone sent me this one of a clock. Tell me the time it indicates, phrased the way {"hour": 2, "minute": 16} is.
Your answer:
{"hour": 4, "minute": 32}
